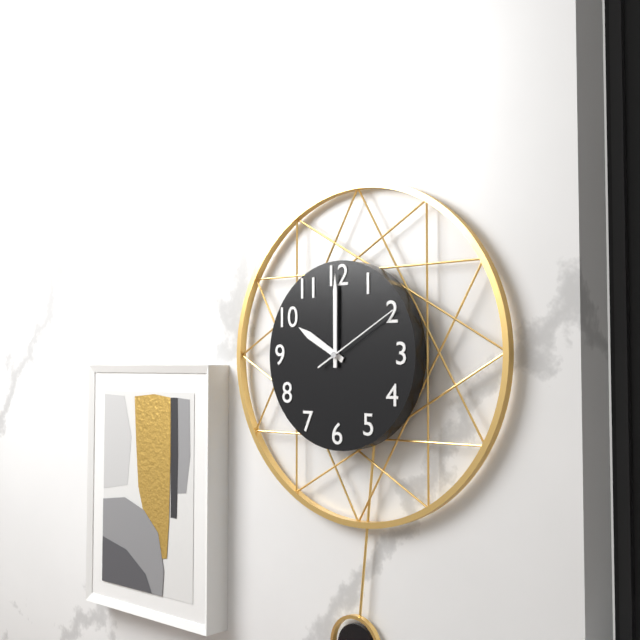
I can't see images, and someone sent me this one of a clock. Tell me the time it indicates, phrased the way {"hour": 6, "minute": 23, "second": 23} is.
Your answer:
{"hour": 10, "minute": 0, "second": 10}
